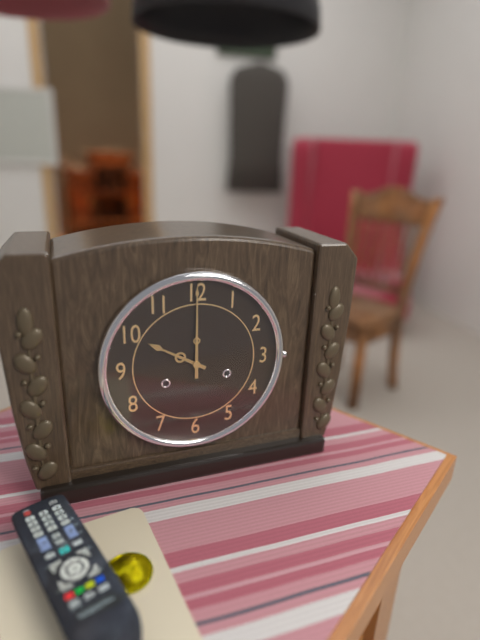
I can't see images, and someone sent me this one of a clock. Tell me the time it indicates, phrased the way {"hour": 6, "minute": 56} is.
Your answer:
{"hour": 10, "minute": 0}
